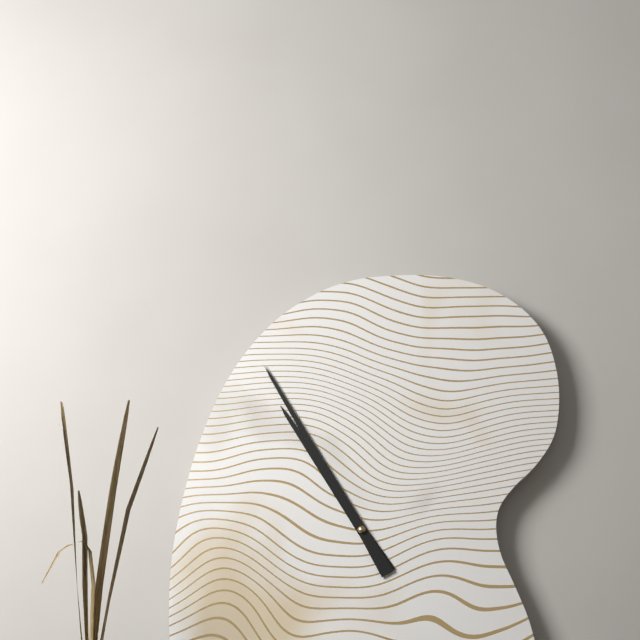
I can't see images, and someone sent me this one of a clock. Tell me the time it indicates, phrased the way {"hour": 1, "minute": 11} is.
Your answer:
{"hour": 10, "minute": 55}
